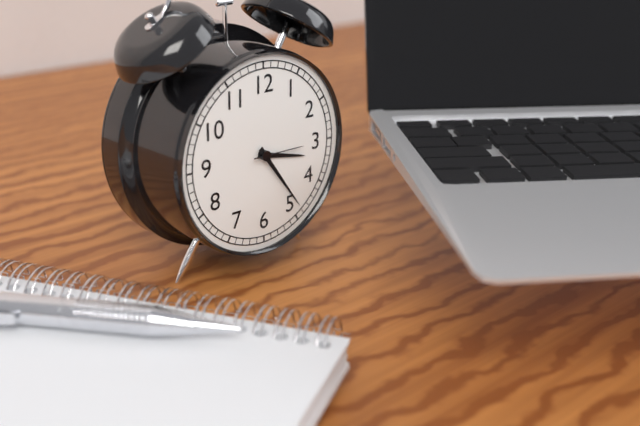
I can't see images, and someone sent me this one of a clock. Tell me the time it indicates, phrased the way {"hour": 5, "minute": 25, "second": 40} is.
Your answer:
{"hour": 3, "minute": 24, "second": 15}
